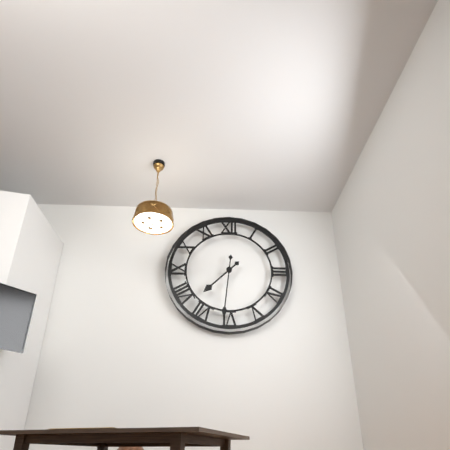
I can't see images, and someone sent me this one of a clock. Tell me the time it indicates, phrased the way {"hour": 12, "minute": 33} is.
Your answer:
{"hour": 7, "minute": 31}
